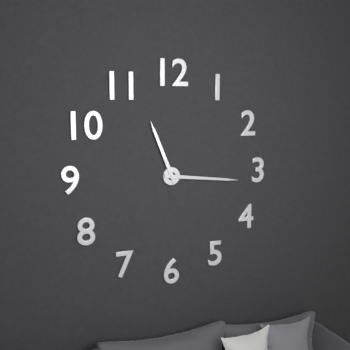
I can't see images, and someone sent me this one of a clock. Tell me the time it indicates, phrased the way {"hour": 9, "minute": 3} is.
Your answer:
{"hour": 11, "minute": 16}
